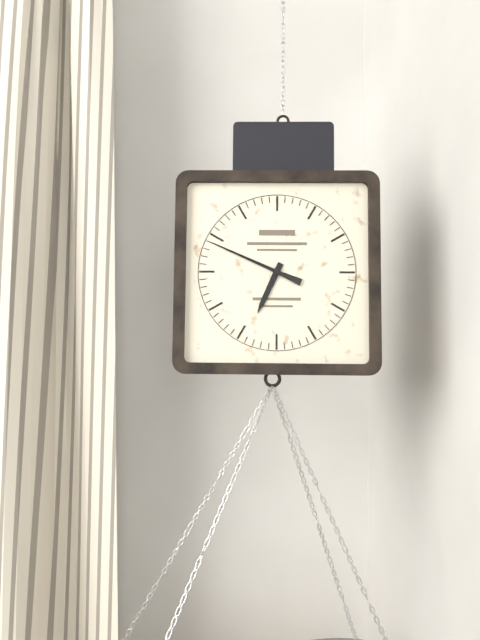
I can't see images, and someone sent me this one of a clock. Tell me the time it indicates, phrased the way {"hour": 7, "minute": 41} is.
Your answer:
{"hour": 6, "minute": 49}
